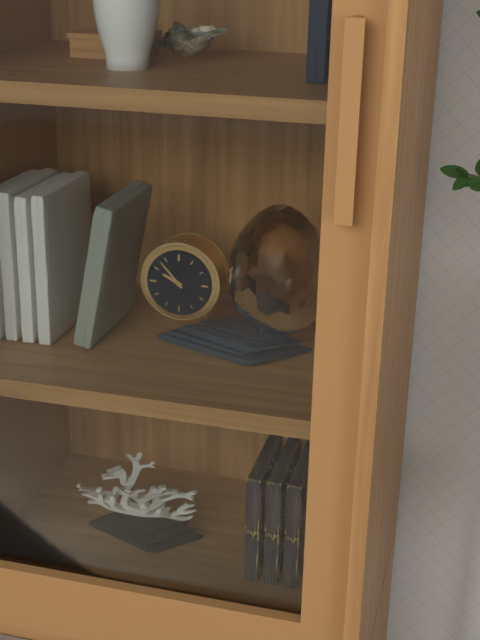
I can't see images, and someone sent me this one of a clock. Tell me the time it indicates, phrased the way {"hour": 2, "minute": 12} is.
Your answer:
{"hour": 9, "minute": 53}
